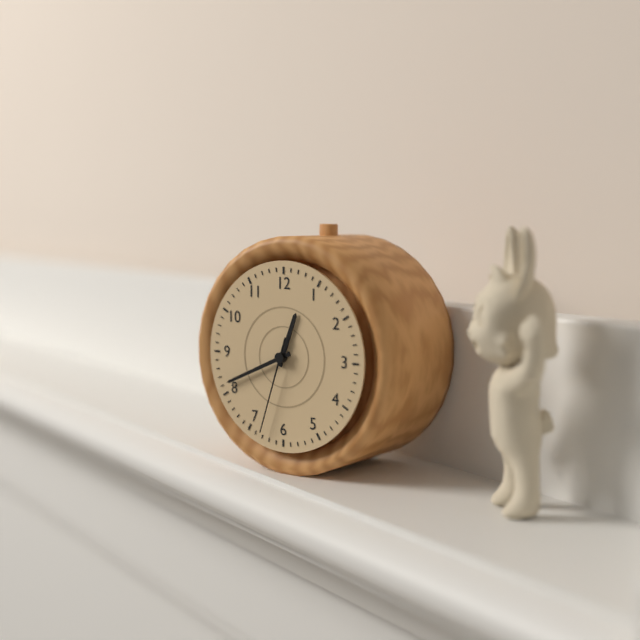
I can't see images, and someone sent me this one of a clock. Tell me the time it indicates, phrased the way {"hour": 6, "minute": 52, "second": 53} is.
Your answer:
{"hour": 12, "minute": 41, "second": 33}
